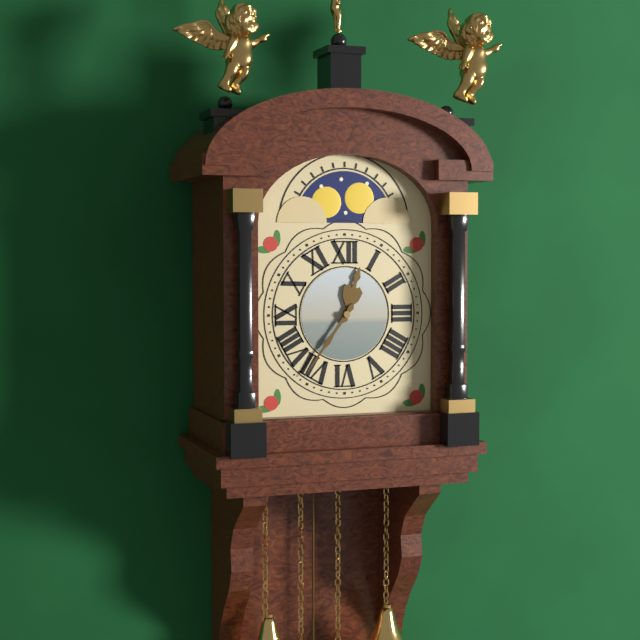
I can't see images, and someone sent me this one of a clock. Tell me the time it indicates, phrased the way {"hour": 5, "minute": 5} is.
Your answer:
{"hour": 12, "minute": 36}
